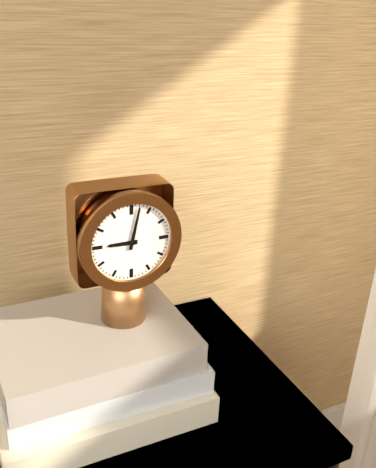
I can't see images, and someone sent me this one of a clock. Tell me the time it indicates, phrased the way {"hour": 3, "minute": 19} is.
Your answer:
{"hour": 9, "minute": 2}
